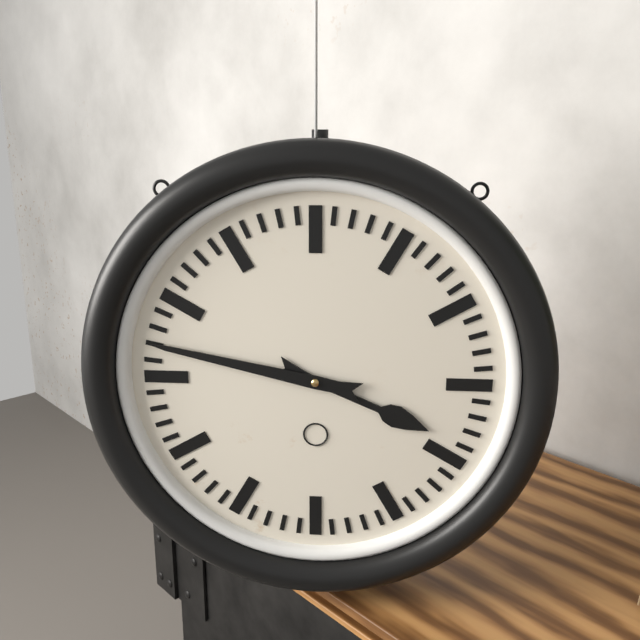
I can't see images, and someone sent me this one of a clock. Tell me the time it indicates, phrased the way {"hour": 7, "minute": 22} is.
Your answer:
{"hour": 3, "minute": 47}
